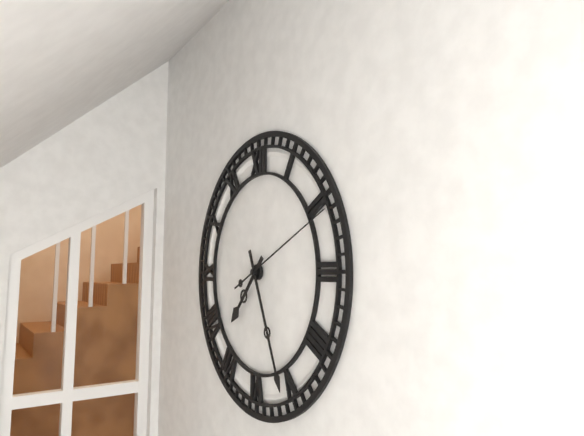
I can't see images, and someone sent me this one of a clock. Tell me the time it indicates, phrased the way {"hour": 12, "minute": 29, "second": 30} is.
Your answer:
{"hour": 7, "minute": 26, "second": 11}
